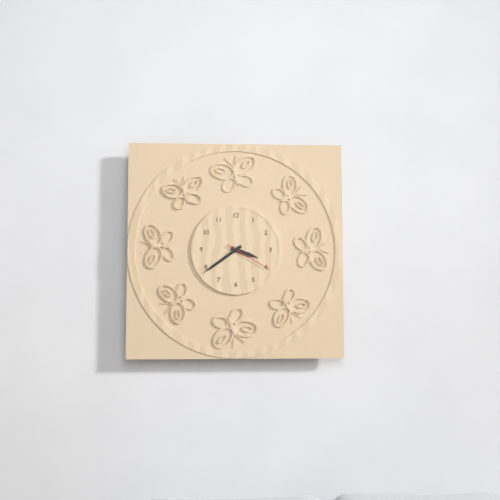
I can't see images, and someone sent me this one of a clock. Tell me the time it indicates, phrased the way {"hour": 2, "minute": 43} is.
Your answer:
{"hour": 3, "minute": 39}
